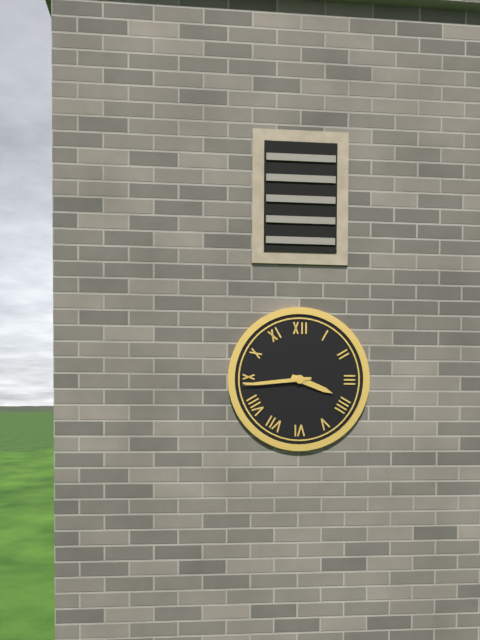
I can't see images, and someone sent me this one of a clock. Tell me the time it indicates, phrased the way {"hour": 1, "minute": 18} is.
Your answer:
{"hour": 3, "minute": 44}
